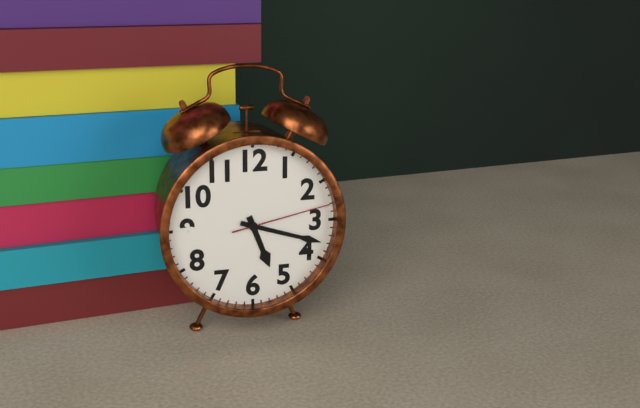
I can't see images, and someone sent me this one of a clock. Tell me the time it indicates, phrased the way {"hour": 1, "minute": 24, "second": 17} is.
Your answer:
{"hour": 5, "minute": 18, "second": 13}
